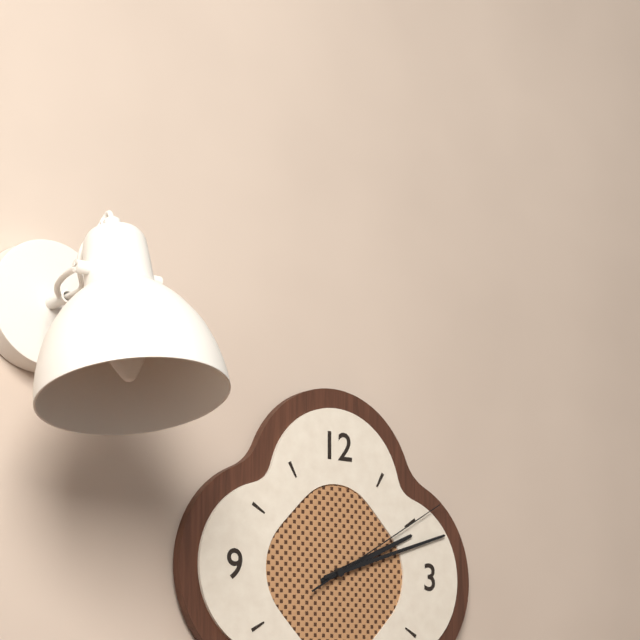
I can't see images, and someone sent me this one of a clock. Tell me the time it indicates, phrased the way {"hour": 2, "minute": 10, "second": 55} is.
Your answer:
{"hour": 2, "minute": 12, "second": 10}
